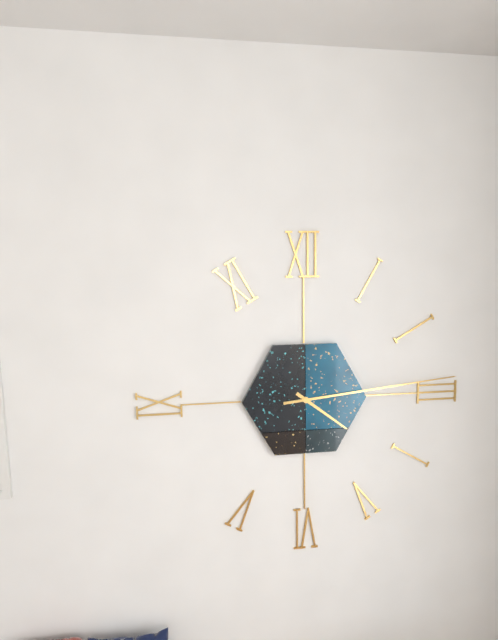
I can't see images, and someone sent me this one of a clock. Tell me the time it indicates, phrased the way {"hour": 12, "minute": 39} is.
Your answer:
{"hour": 4, "minute": 14}
